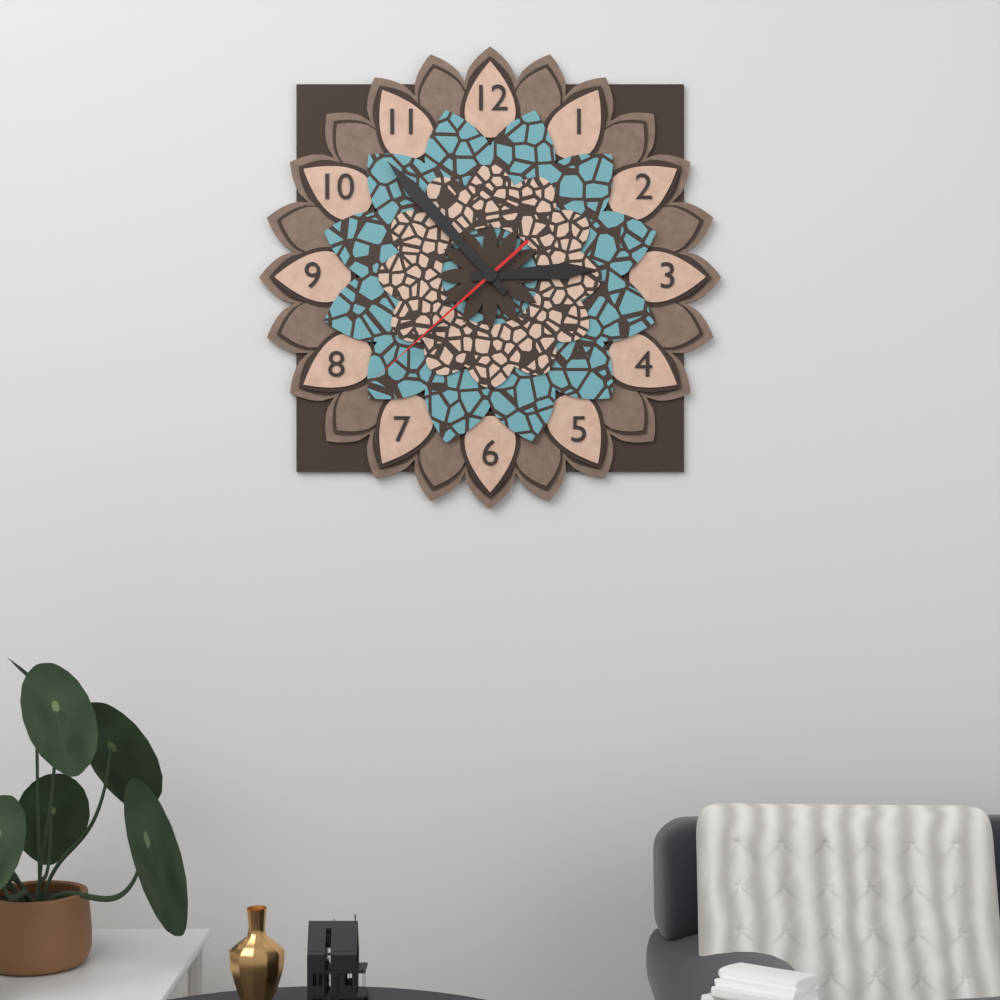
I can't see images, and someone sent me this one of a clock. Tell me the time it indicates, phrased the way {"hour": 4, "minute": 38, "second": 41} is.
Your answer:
{"hour": 2, "minute": 53, "second": 38}
